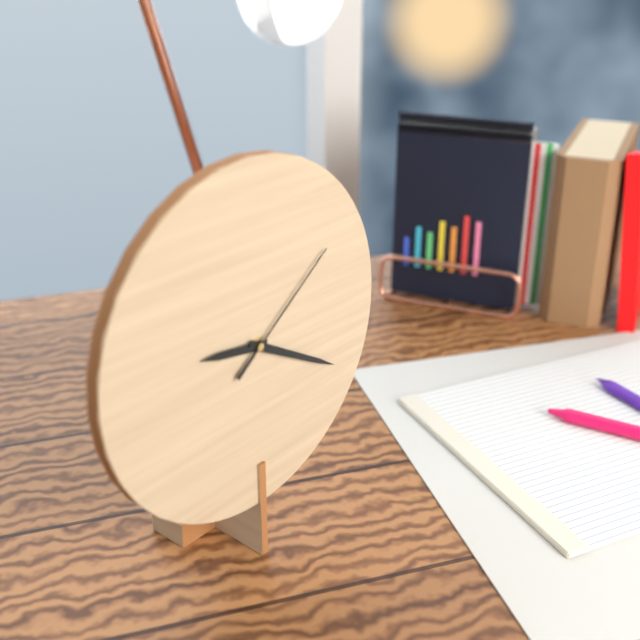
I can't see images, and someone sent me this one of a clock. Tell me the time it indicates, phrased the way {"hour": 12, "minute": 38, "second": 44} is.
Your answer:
{"hour": 9, "minute": 20, "second": 9}
